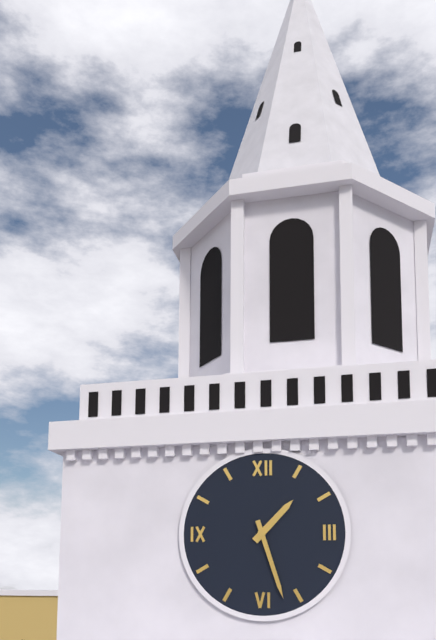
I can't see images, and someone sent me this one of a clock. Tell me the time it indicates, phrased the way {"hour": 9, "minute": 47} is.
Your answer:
{"hour": 1, "minute": 27}
